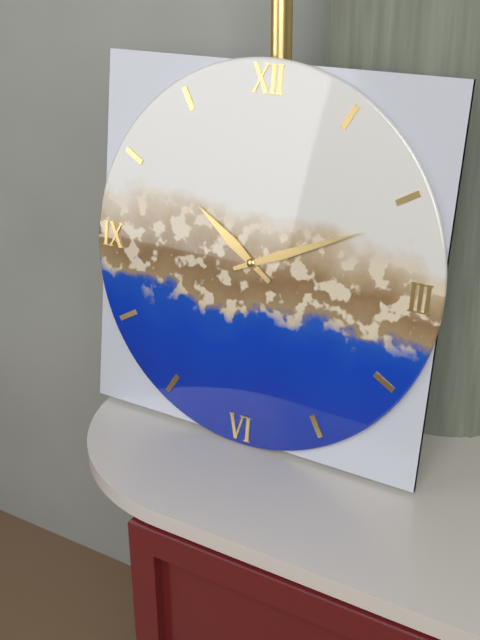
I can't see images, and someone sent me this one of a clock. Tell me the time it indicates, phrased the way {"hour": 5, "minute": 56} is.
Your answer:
{"hour": 10, "minute": 11}
